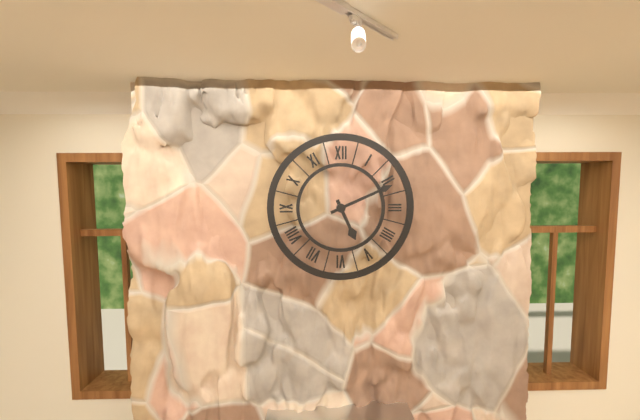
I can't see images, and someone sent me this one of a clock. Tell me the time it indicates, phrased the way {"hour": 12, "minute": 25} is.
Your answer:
{"hour": 5, "minute": 11}
